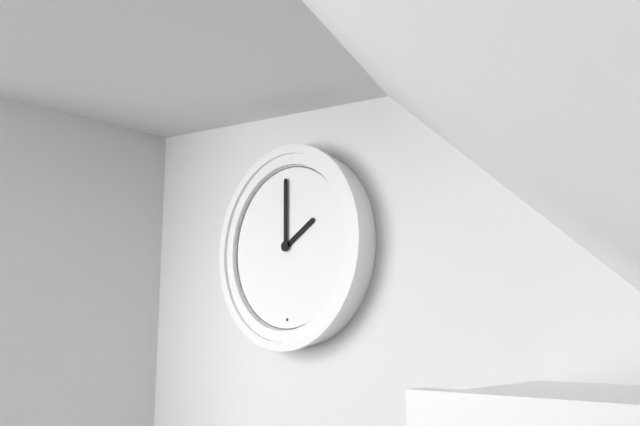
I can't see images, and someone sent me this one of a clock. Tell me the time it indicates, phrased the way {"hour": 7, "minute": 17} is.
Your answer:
{"hour": 2, "minute": 0}
